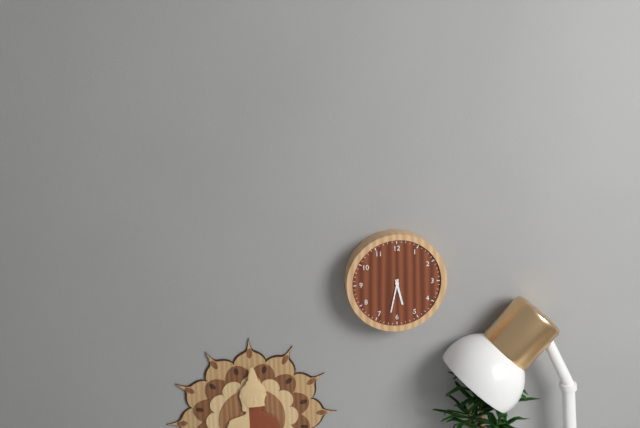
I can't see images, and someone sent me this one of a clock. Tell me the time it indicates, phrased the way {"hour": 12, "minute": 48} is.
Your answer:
{"hour": 5, "minute": 32}
